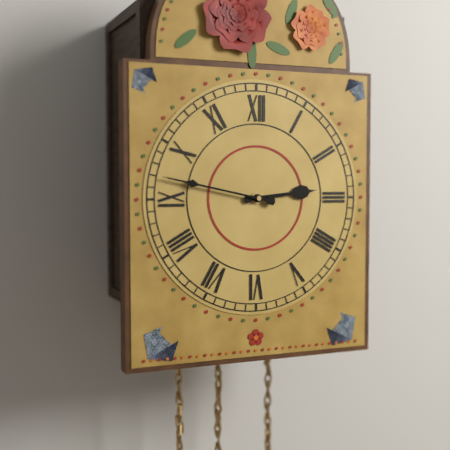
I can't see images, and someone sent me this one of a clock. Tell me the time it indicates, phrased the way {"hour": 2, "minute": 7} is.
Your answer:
{"hour": 2, "minute": 47}
